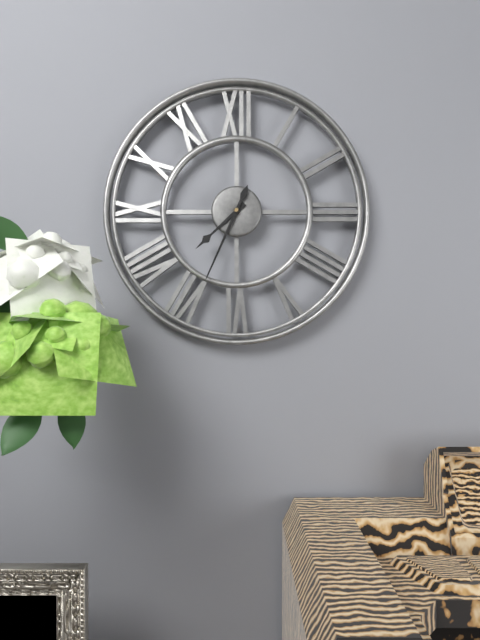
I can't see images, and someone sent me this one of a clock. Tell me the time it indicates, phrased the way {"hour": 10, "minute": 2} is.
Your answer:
{"hour": 7, "minute": 34}
